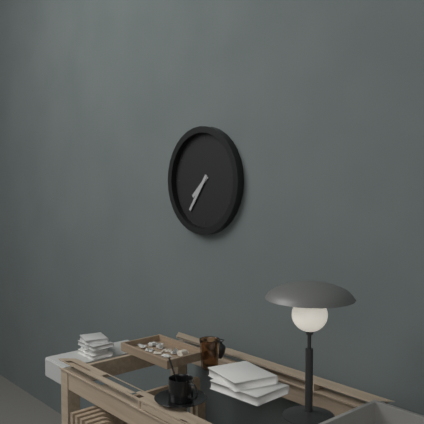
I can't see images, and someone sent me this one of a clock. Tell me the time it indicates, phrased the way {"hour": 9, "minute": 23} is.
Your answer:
{"hour": 7, "minute": 36}
